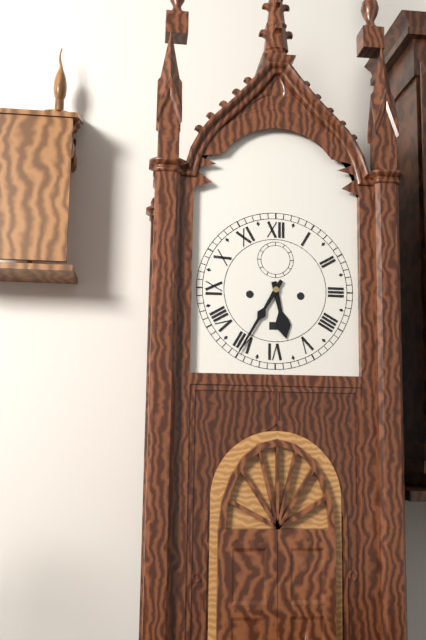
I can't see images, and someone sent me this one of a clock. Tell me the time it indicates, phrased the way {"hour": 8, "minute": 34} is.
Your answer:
{"hour": 5, "minute": 35}
